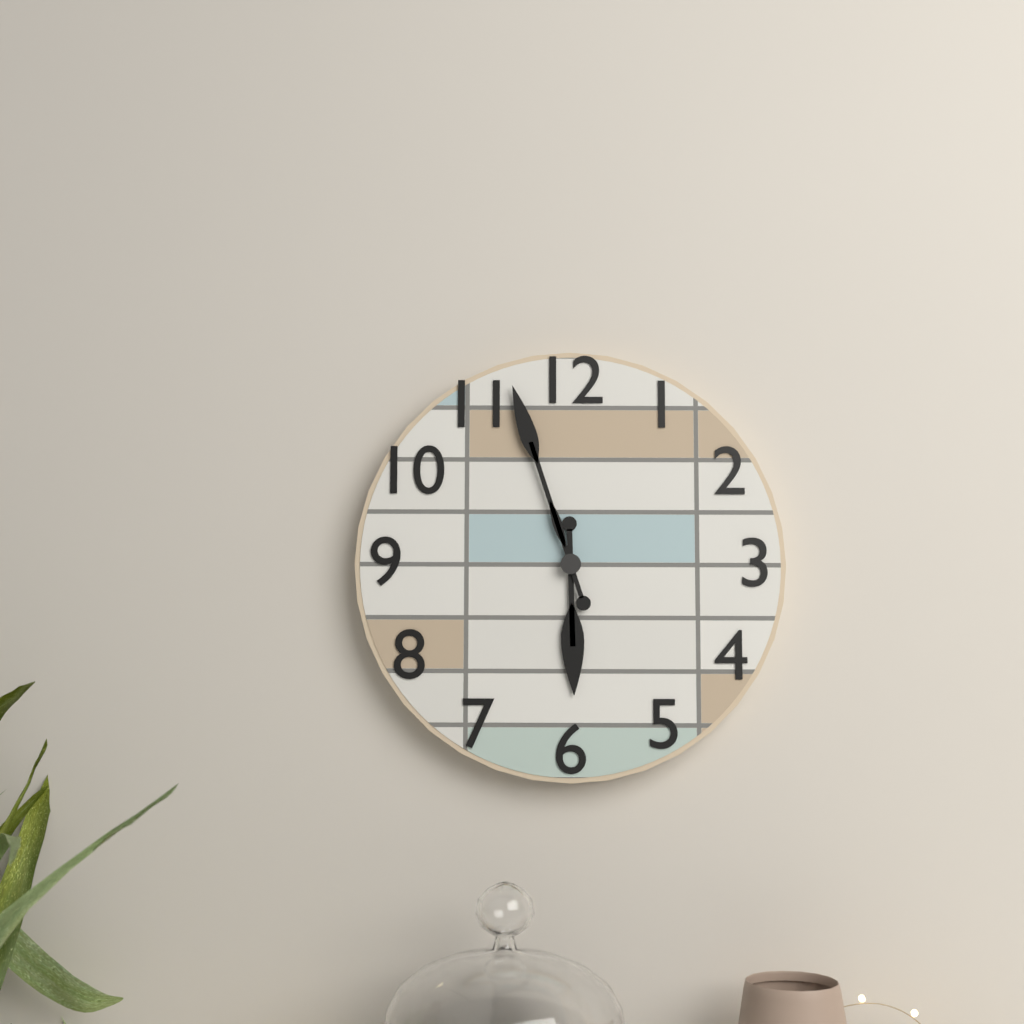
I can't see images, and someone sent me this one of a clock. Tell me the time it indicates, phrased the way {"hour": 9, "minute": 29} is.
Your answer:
{"hour": 5, "minute": 57}
